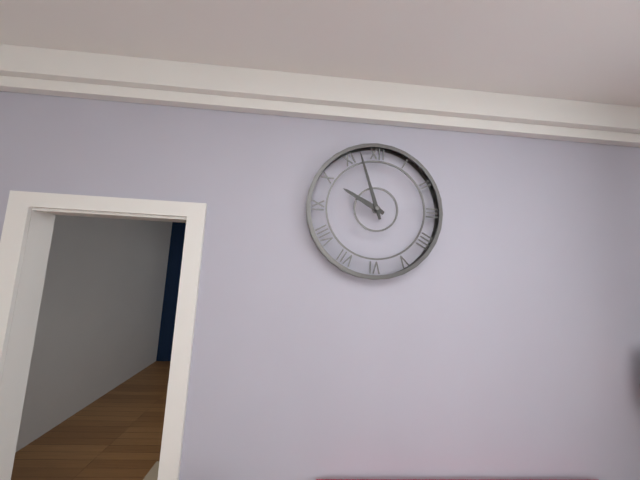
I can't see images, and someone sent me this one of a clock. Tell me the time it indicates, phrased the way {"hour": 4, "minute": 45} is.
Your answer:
{"hour": 9, "minute": 57}
